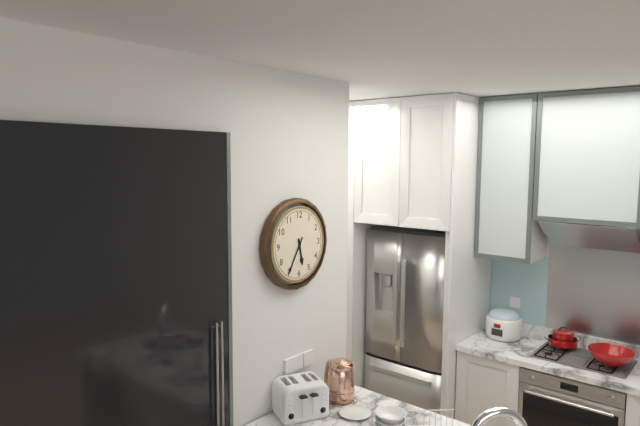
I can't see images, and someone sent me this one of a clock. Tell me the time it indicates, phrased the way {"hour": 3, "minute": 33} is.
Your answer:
{"hour": 5, "minute": 35}
